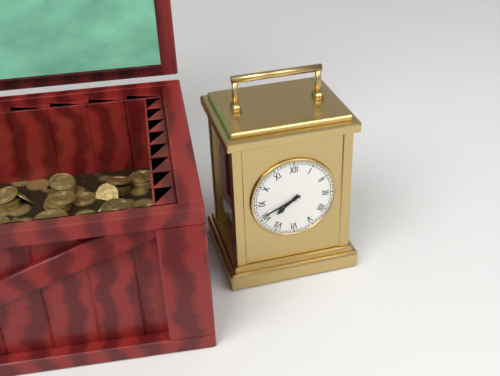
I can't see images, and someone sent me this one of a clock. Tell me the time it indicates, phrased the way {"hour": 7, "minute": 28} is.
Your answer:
{"hour": 7, "minute": 41}
